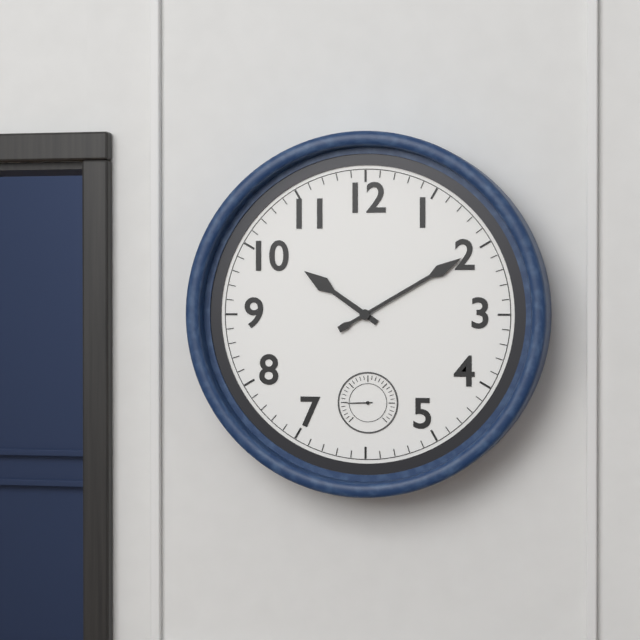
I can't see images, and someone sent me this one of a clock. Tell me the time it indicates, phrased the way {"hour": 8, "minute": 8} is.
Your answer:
{"hour": 10, "minute": 10}
